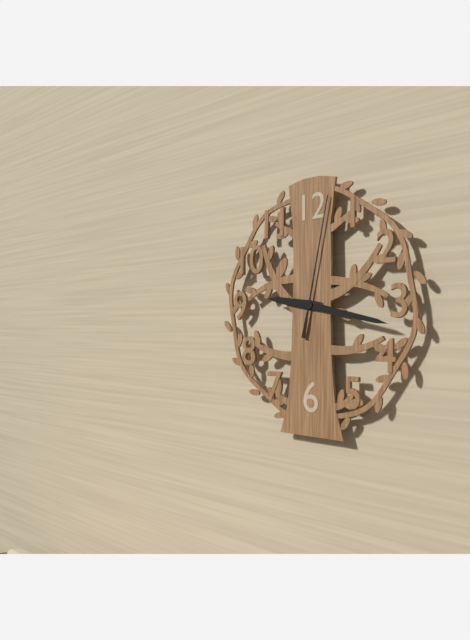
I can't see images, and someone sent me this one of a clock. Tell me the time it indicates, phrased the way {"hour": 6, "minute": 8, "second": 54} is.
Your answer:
{"hour": 9, "minute": 17, "second": 2}
